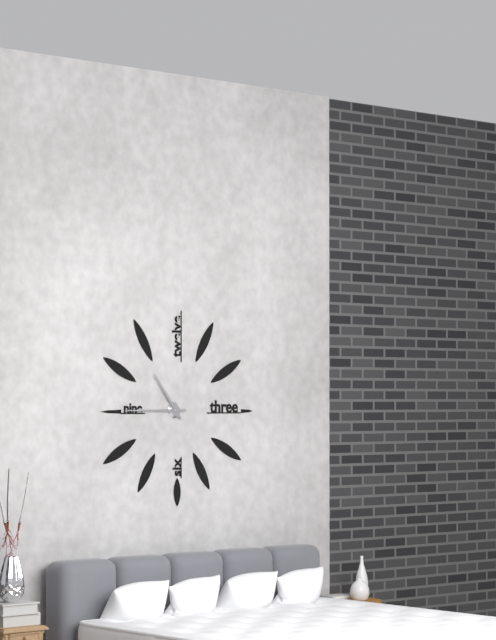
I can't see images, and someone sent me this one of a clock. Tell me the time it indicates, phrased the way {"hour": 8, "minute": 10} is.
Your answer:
{"hour": 10, "minute": 45}
